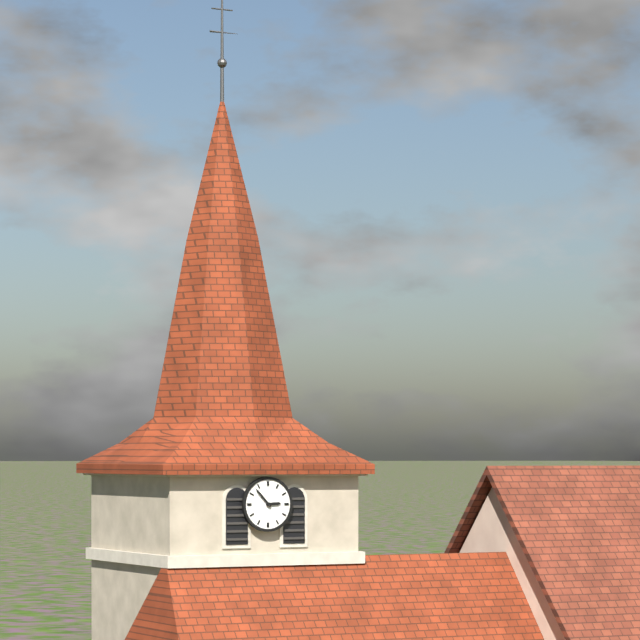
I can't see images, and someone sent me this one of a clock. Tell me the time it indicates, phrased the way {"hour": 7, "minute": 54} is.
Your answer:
{"hour": 2, "minute": 53}
